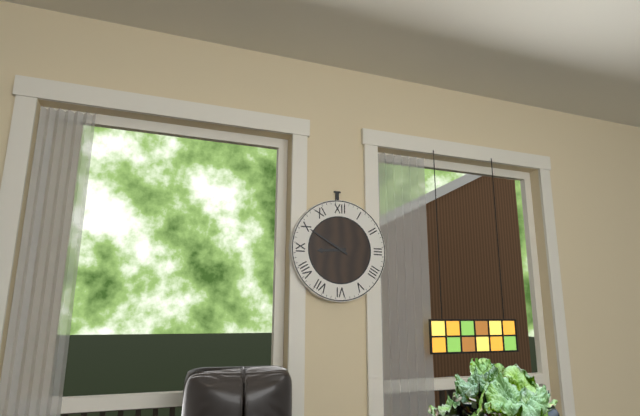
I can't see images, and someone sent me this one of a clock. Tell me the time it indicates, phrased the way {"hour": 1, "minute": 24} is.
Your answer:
{"hour": 8, "minute": 50}
